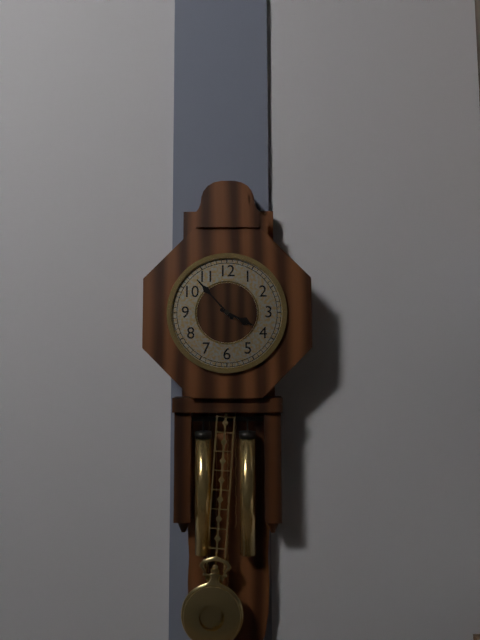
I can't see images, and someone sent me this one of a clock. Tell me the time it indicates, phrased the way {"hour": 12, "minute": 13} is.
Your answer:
{"hour": 3, "minute": 53}
